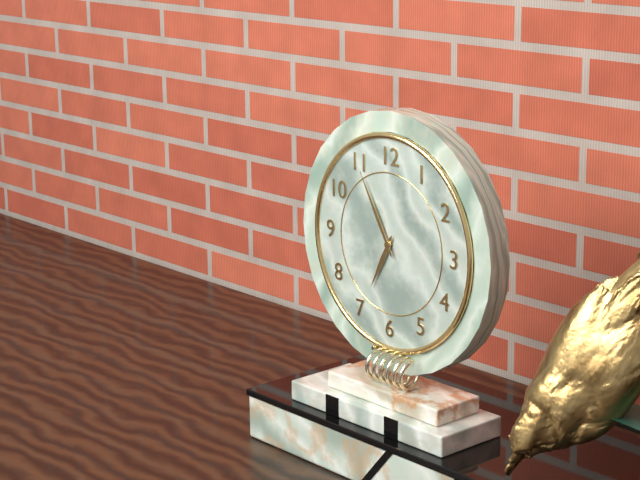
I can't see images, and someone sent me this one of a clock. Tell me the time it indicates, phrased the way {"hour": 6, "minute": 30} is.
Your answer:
{"hour": 6, "minute": 55}
